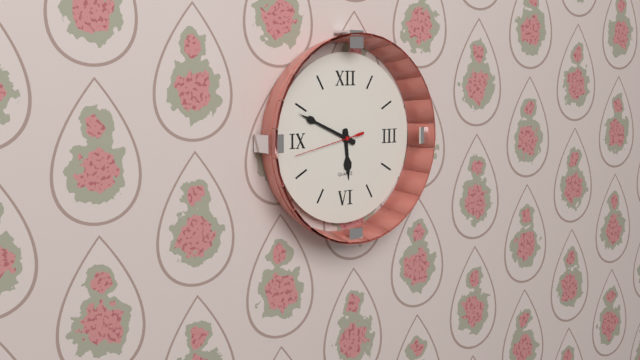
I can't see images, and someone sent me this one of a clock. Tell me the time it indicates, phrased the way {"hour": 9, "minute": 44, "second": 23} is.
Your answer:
{"hour": 5, "minute": 49, "second": 43}
